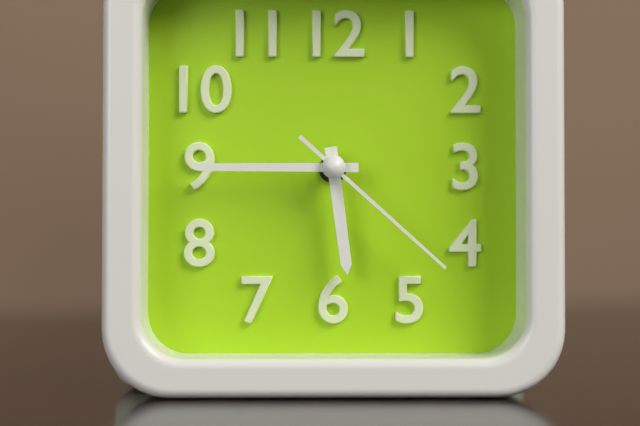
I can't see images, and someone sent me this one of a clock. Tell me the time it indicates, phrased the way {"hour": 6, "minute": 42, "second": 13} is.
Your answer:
{"hour": 5, "minute": 45, "second": 22}
